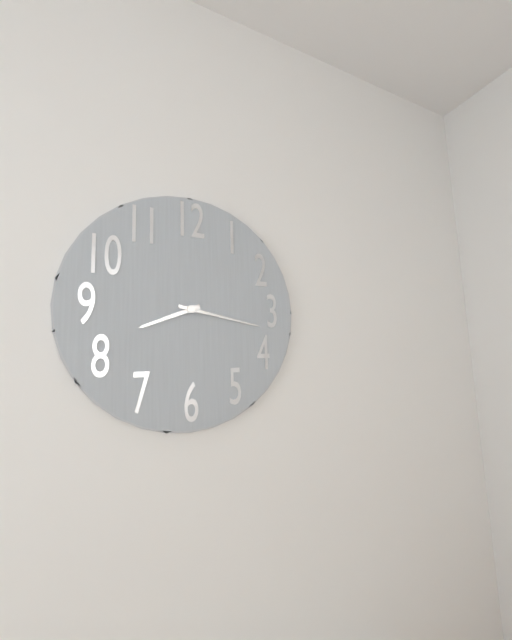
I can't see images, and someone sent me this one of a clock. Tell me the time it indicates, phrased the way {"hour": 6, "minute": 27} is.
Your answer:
{"hour": 8, "minute": 17}
